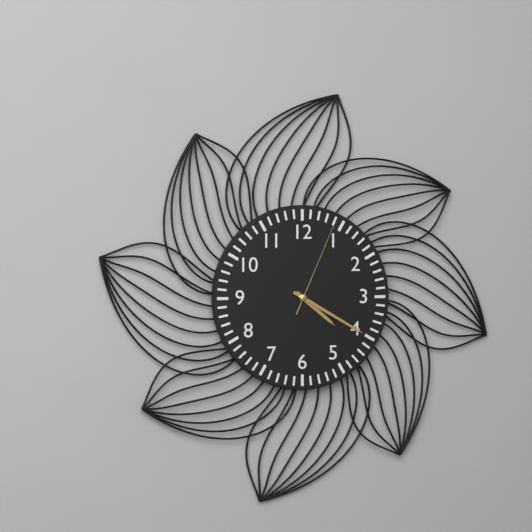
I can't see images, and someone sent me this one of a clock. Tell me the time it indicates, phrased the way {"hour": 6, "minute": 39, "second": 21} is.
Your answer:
{"hour": 4, "minute": 20, "second": 4}
